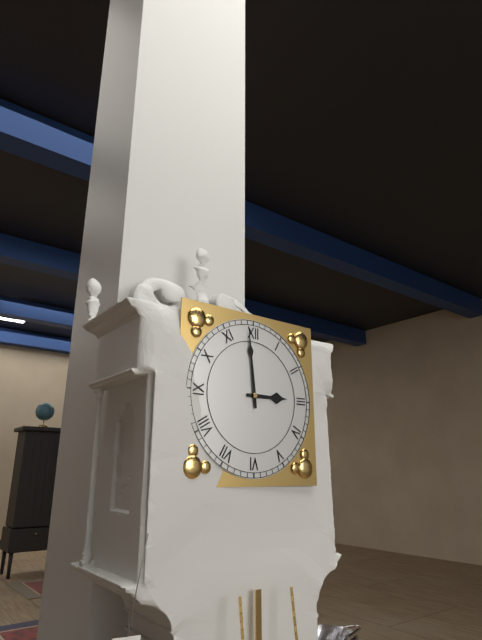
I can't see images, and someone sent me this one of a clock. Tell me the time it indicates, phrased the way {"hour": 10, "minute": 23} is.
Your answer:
{"hour": 2, "minute": 59}
